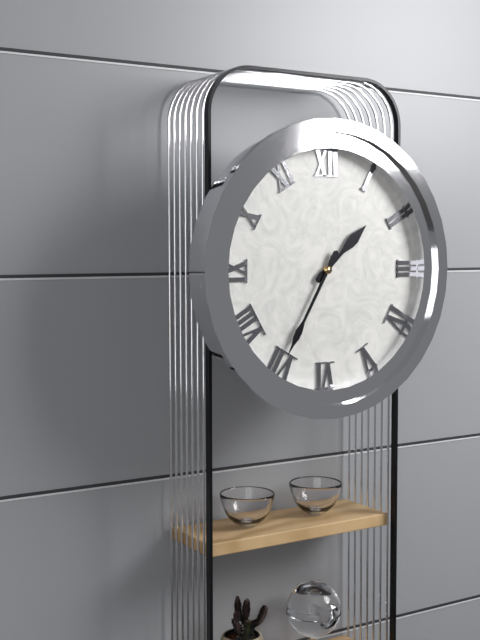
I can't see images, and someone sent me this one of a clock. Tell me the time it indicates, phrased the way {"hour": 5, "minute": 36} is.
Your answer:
{"hour": 1, "minute": 35}
